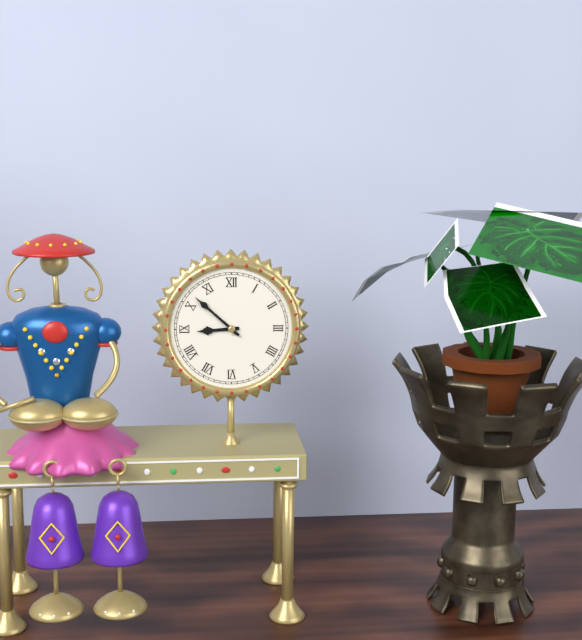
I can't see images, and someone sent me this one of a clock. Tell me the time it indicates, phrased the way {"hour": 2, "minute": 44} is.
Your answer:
{"hour": 8, "minute": 52}
